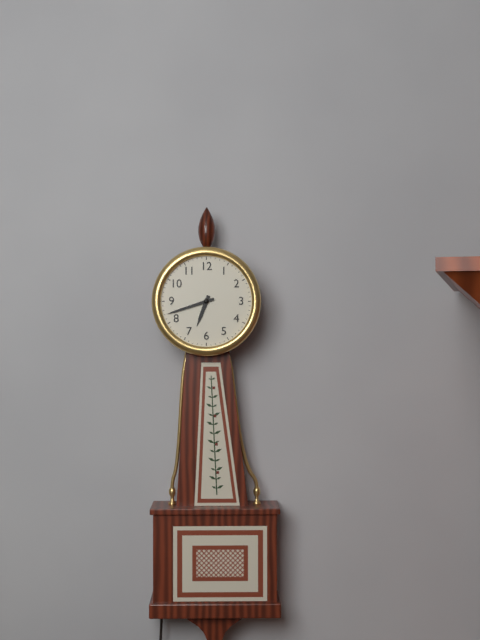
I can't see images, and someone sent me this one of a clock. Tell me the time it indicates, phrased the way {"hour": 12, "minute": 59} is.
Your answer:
{"hour": 6, "minute": 42}
